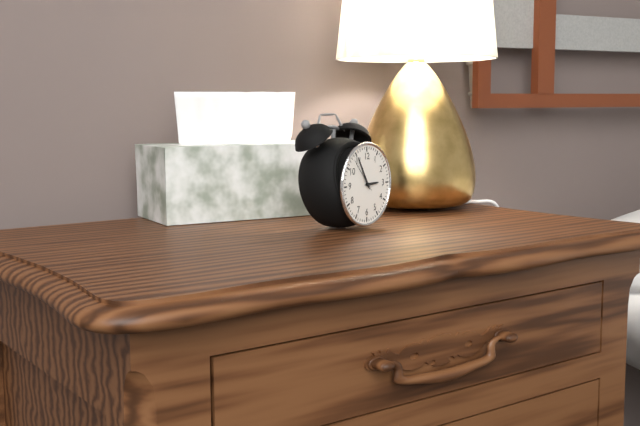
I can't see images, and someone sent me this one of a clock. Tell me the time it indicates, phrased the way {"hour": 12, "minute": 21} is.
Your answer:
{"hour": 2, "minute": 55}
